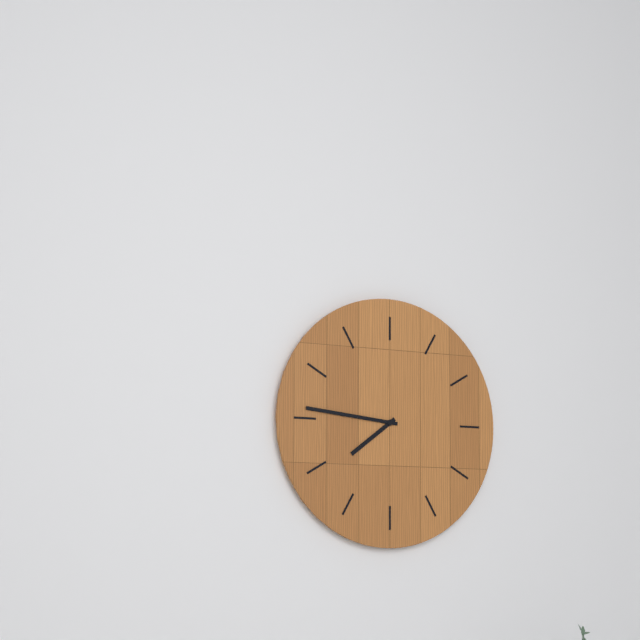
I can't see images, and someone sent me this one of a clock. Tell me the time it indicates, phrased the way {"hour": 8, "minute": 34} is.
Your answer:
{"hour": 7, "minute": 46}
